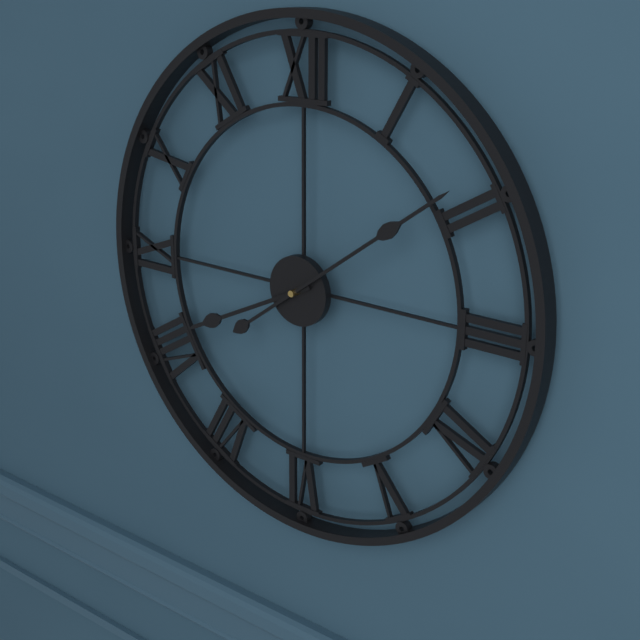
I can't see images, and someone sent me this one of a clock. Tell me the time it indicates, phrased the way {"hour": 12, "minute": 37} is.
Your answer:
{"hour": 8, "minute": 9}
